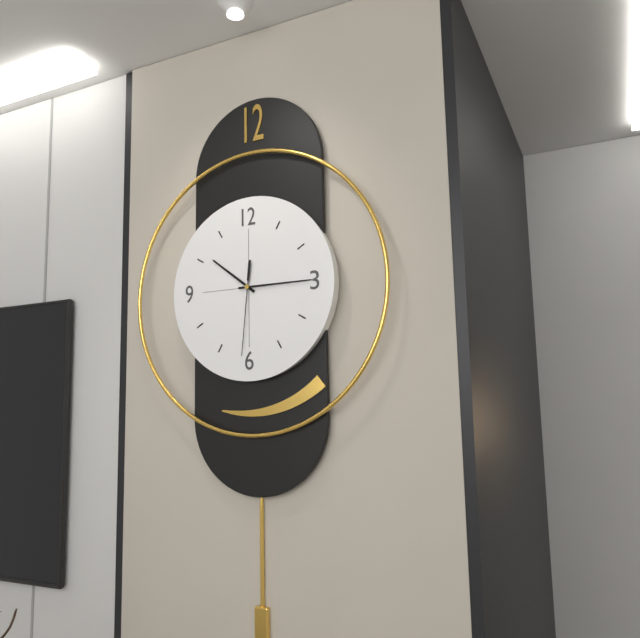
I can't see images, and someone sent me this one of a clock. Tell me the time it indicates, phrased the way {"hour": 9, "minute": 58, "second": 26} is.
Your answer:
{"hour": 10, "minute": 15, "second": 31}
